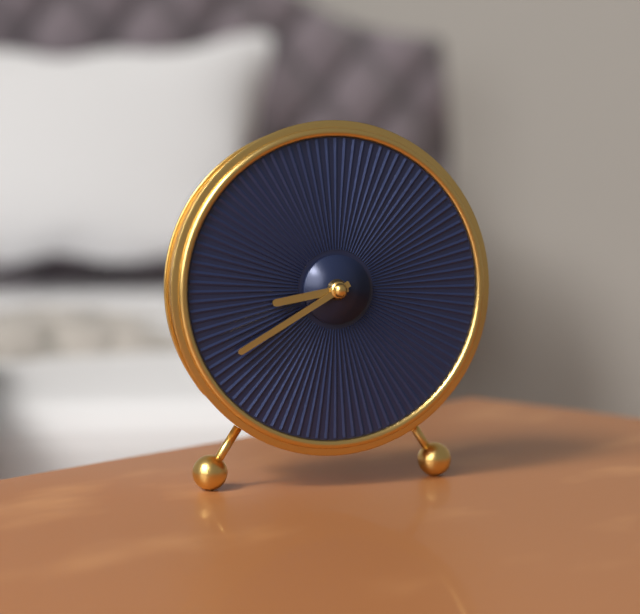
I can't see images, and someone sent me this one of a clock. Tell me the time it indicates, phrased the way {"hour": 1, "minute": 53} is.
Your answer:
{"hour": 8, "minute": 40}
